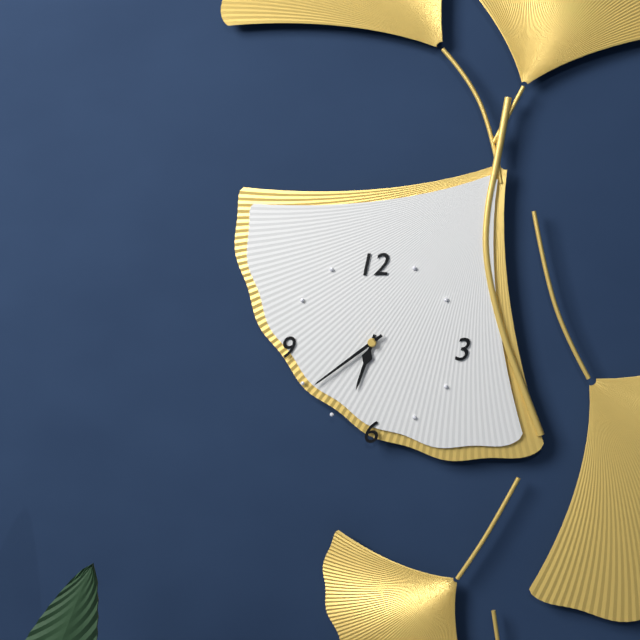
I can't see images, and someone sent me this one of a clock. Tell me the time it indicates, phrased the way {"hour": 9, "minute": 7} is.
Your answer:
{"hour": 6, "minute": 39}
